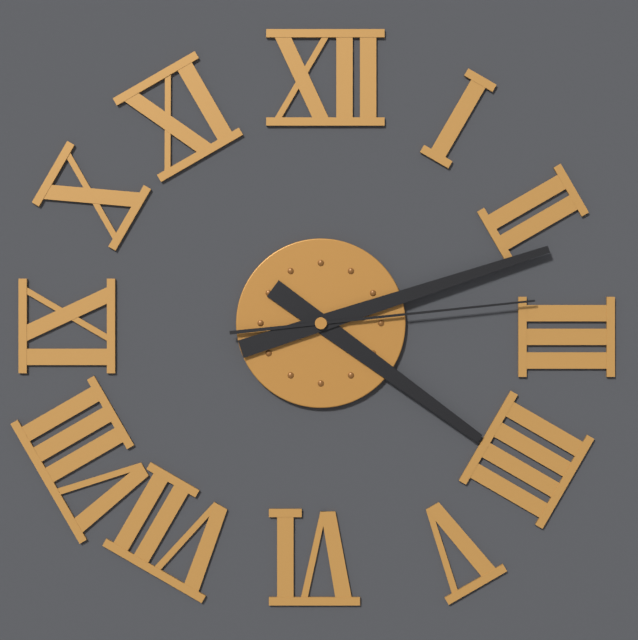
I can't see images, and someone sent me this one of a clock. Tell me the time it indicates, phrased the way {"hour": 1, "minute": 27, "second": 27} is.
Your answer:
{"hour": 4, "minute": 12, "second": 14}
